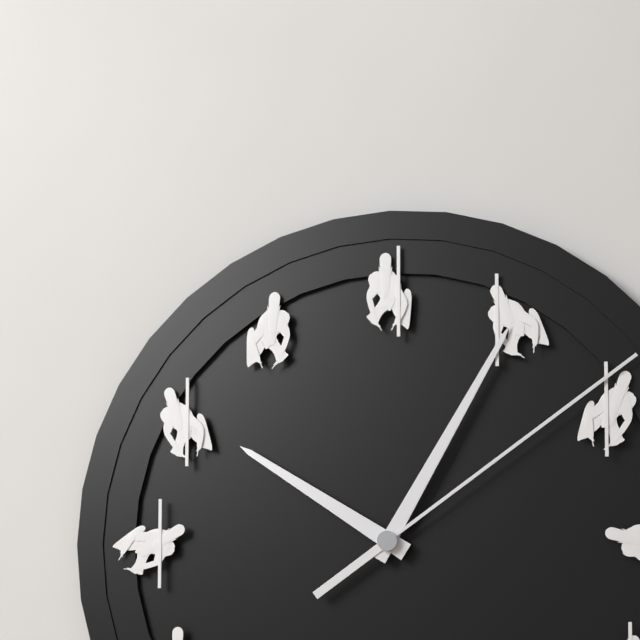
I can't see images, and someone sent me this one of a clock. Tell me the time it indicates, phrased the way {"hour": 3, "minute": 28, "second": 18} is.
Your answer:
{"hour": 10, "minute": 5, "second": 9}
